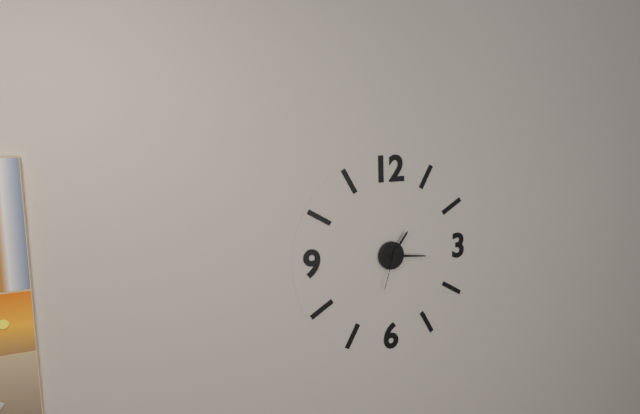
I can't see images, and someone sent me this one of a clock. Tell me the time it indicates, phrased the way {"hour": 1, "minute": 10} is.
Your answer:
{"hour": 1, "minute": 16}
